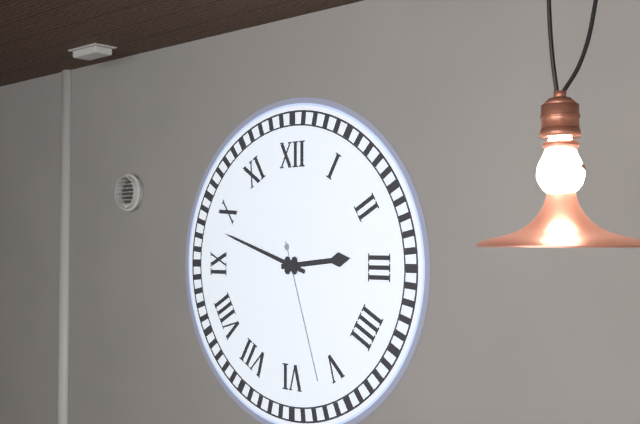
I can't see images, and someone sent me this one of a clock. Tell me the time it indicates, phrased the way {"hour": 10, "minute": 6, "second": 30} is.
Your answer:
{"hour": 2, "minute": 48, "second": 27}
